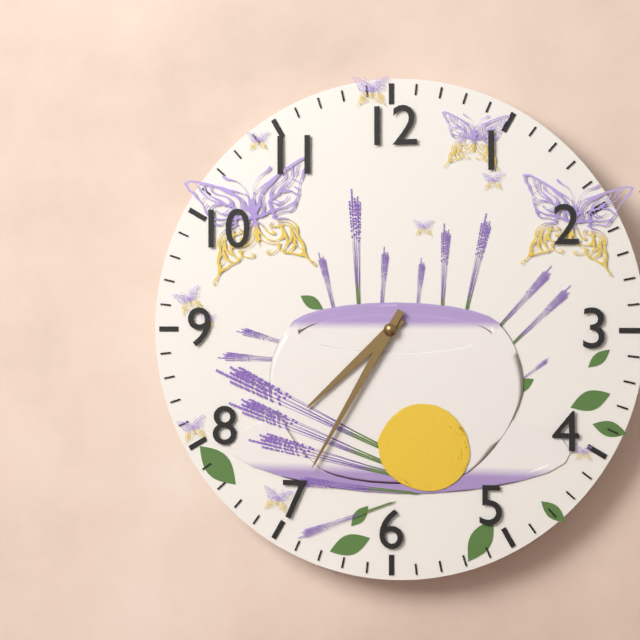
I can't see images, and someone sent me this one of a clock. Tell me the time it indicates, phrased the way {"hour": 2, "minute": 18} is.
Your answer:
{"hour": 7, "minute": 35}
